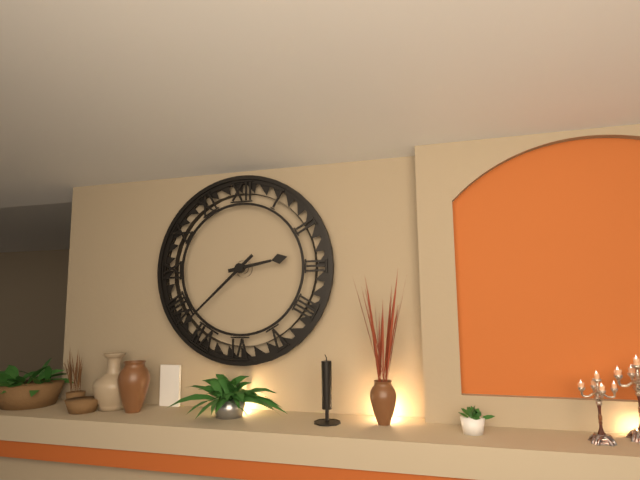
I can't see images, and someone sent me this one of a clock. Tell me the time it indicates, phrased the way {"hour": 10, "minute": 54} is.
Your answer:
{"hour": 2, "minute": 38}
